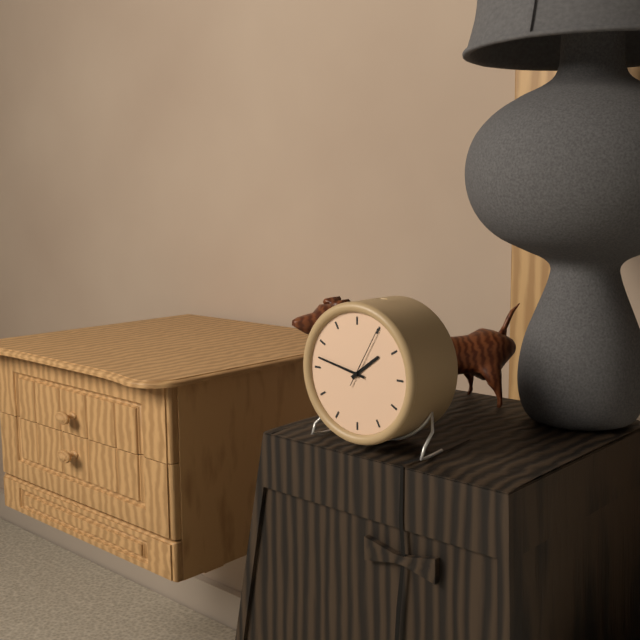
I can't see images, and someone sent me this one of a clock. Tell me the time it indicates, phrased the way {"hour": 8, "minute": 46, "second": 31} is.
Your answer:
{"hour": 1, "minute": 47, "second": 5}
